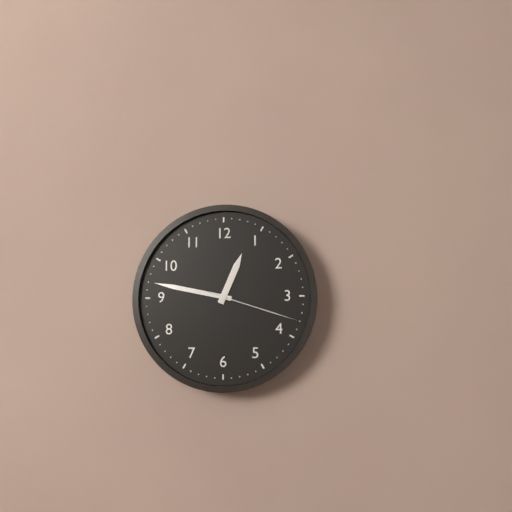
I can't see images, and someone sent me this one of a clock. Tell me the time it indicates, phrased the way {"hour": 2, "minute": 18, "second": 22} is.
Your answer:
{"hour": 12, "minute": 47, "second": 18}
